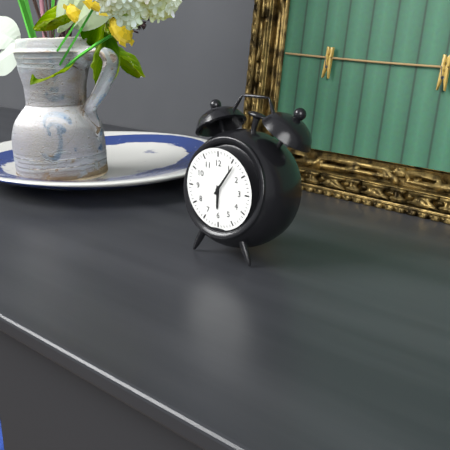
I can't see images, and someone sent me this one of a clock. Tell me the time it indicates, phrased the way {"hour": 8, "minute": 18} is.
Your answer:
{"hour": 6, "minute": 6}
